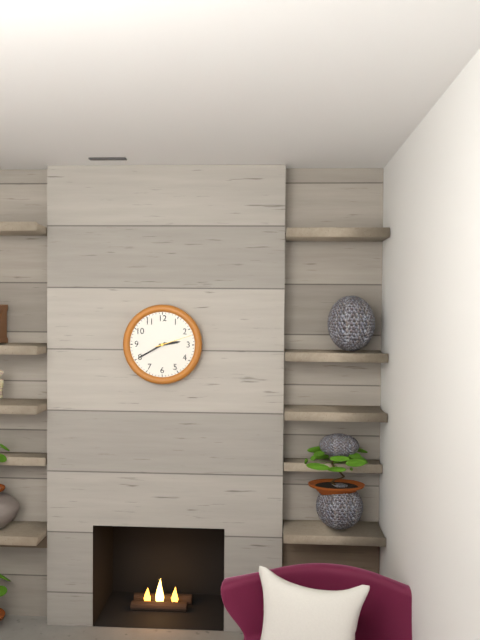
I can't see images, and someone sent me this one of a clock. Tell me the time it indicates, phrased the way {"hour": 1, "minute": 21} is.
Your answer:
{"hour": 2, "minute": 40}
